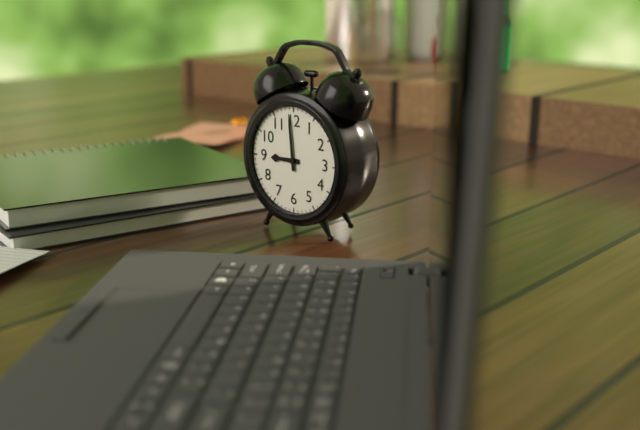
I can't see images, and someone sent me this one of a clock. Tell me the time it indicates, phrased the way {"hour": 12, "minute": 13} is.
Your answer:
{"hour": 8, "minute": 59}
